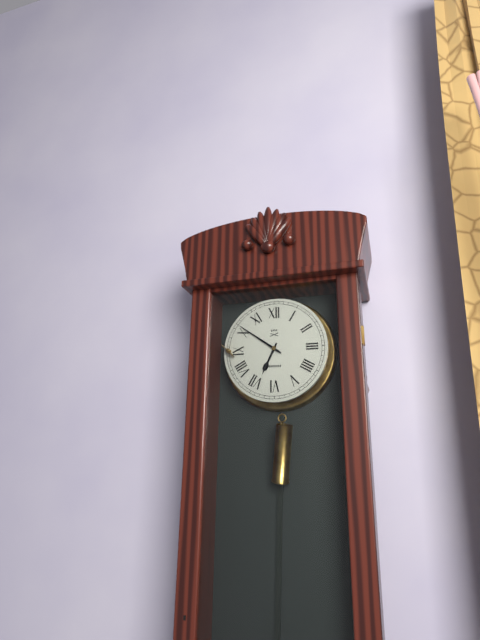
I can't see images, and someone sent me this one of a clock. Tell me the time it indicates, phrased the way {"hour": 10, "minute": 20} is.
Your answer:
{"hour": 6, "minute": 51}
